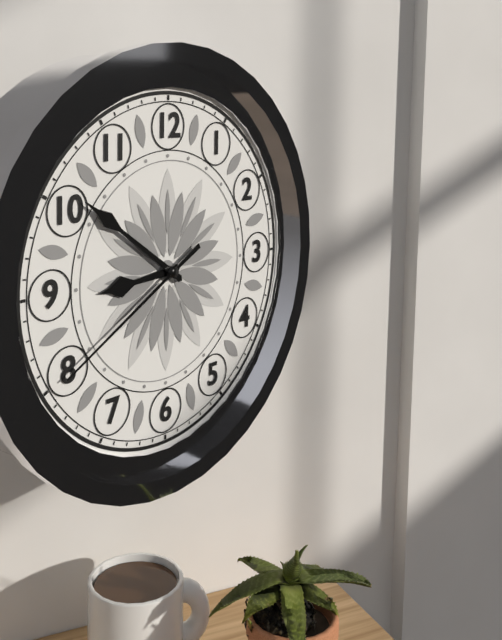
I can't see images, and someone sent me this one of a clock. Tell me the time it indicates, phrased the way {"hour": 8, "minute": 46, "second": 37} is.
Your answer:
{"hour": 8, "minute": 51, "second": 40}
